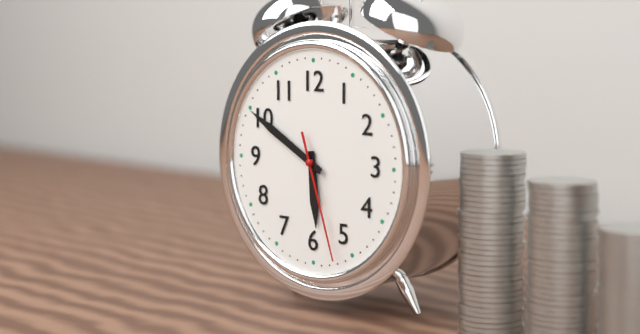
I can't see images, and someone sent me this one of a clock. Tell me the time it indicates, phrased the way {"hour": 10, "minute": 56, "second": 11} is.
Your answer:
{"hour": 5, "minute": 50, "second": 27}
